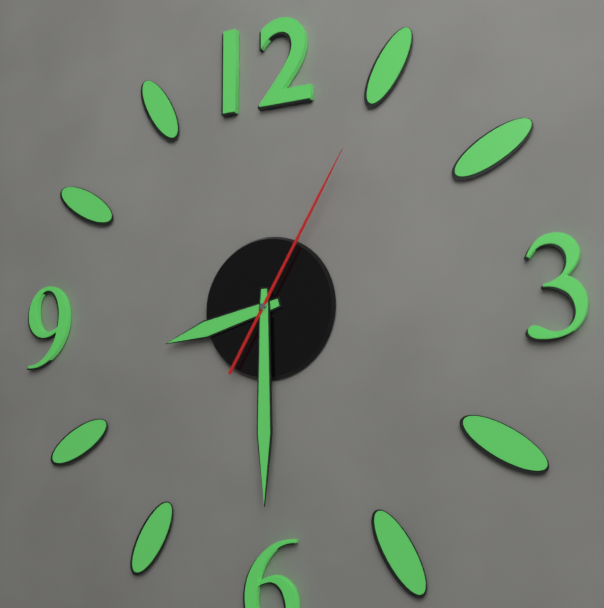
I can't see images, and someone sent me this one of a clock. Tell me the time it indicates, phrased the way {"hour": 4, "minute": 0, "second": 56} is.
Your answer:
{"hour": 8, "minute": 30, "second": 5}
